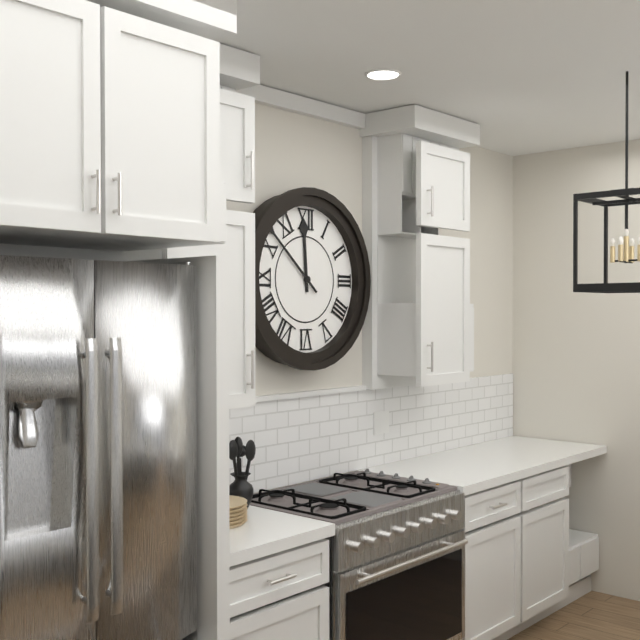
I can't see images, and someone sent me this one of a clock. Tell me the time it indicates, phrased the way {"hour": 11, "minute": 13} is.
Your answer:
{"hour": 11, "minute": 52}
